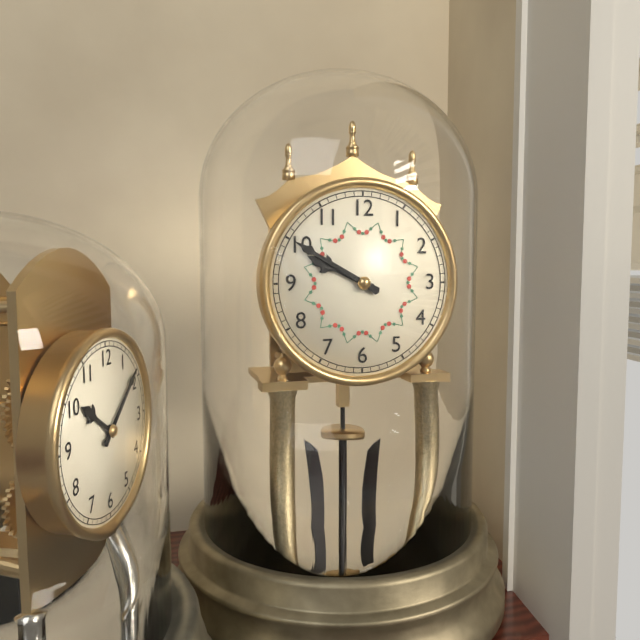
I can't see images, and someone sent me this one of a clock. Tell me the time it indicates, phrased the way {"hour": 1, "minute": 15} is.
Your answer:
{"hour": 9, "minute": 50}
